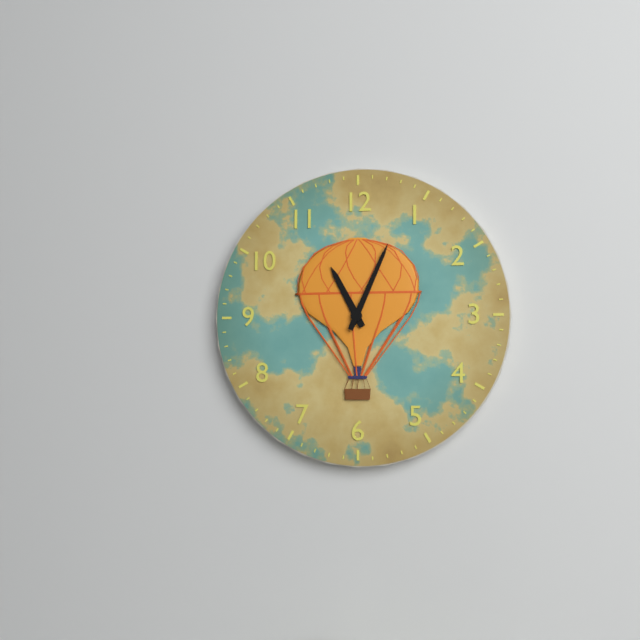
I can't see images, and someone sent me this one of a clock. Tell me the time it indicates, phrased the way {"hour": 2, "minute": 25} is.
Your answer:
{"hour": 11, "minute": 4}
